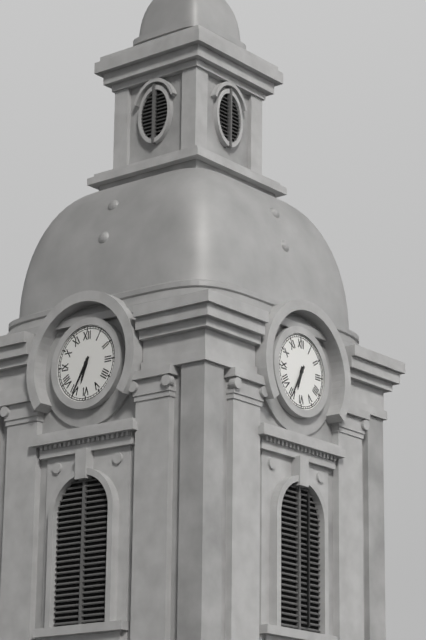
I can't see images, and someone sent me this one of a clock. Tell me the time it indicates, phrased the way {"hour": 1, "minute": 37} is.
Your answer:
{"hour": 6, "minute": 35}
